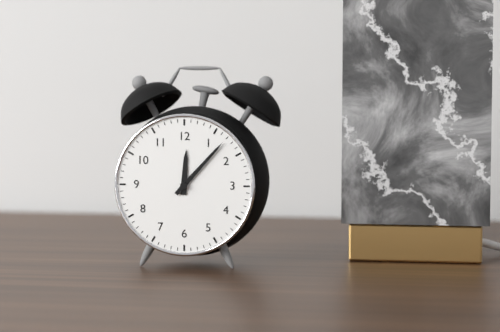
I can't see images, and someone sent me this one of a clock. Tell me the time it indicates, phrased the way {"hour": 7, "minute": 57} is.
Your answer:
{"hour": 12, "minute": 7}
